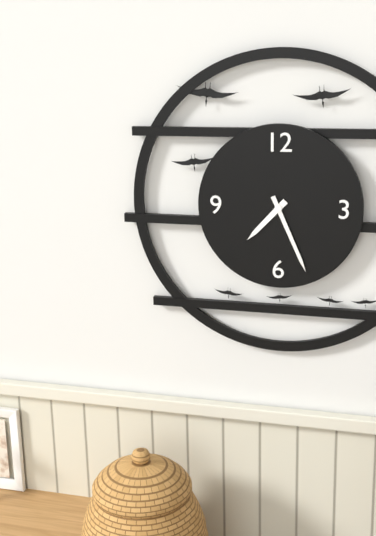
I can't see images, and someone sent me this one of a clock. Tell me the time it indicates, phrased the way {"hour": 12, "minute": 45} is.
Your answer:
{"hour": 7, "minute": 26}
